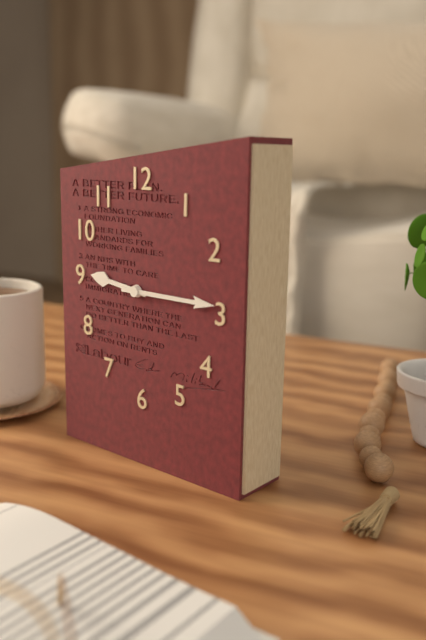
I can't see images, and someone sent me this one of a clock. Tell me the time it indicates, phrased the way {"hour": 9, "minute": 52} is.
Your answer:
{"hour": 9, "minute": 15}
